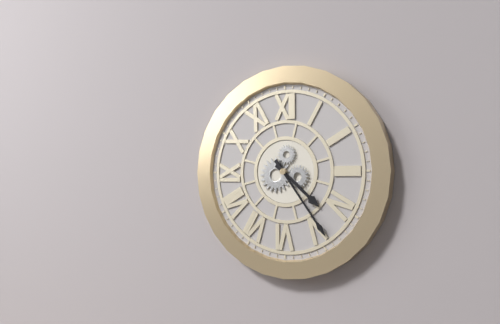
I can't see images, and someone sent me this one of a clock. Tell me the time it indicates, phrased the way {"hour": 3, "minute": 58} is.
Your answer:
{"hour": 4, "minute": 24}
